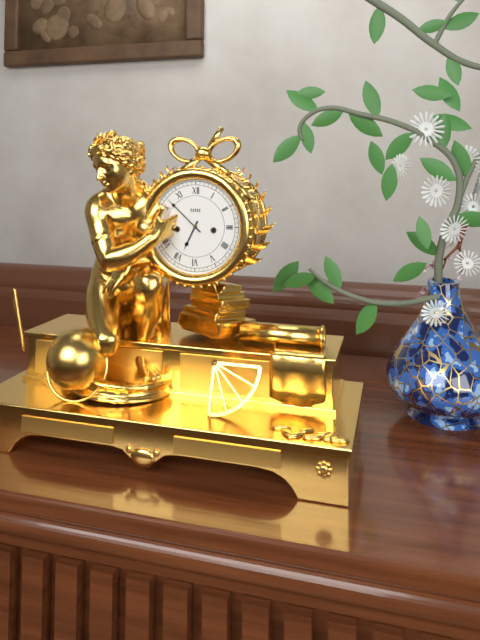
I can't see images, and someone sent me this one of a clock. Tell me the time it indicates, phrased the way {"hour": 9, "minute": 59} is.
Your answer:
{"hour": 6, "minute": 52}
